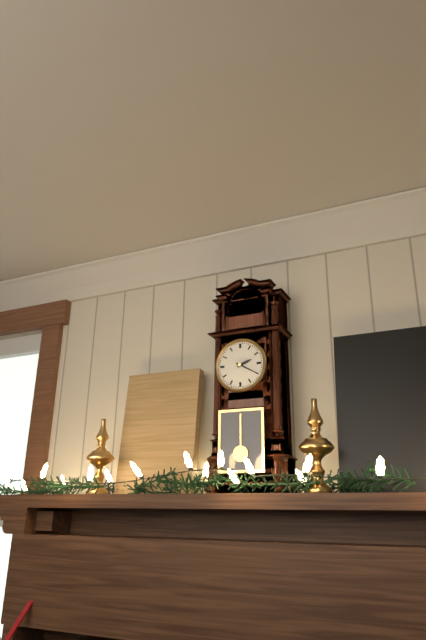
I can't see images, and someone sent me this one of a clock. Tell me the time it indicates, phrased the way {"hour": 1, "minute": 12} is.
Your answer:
{"hour": 2, "minute": 20}
